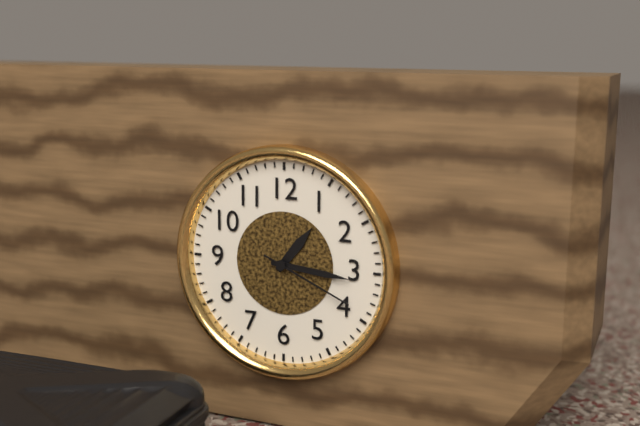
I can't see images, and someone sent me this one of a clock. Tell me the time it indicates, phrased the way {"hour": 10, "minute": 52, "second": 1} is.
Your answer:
{"hour": 1, "minute": 16, "second": 19}
